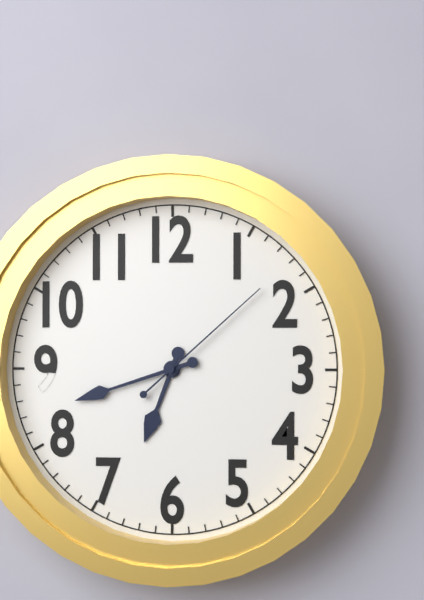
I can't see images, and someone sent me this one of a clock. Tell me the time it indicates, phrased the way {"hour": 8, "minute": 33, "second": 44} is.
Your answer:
{"hour": 6, "minute": 42, "second": 8}
